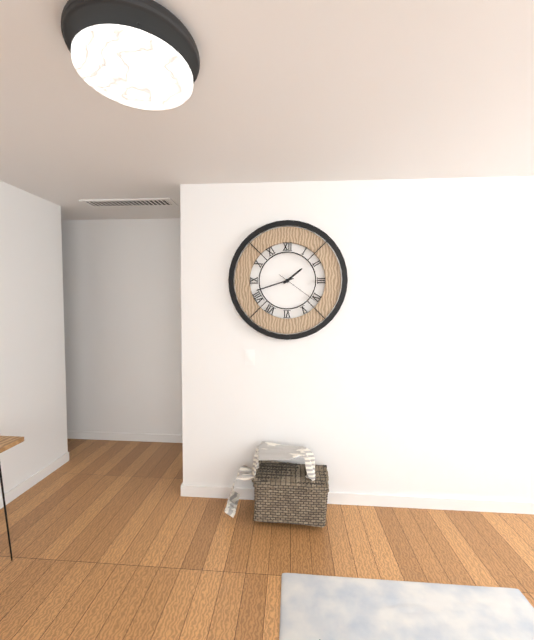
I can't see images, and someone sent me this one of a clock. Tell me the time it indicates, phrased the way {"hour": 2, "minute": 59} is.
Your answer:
{"hour": 1, "minute": 42}
